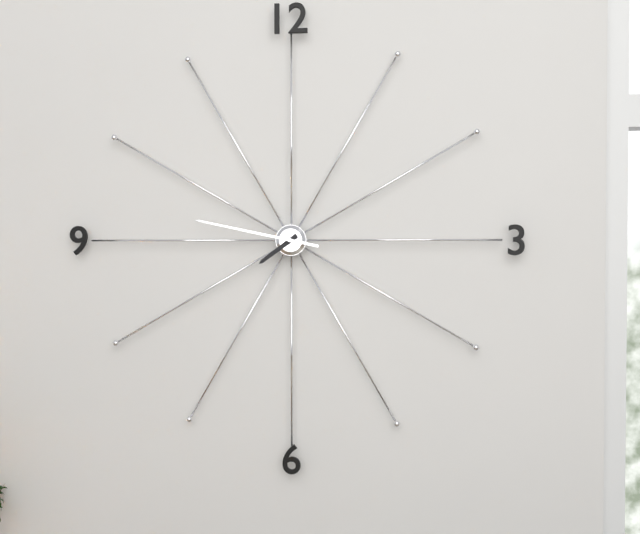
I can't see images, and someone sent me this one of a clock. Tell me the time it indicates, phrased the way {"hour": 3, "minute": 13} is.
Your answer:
{"hour": 7, "minute": 47}
